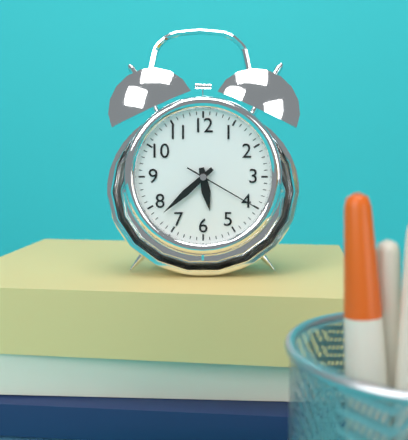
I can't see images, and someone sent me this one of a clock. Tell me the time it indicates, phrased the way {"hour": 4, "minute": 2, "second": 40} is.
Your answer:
{"hour": 5, "minute": 38, "second": 20}
